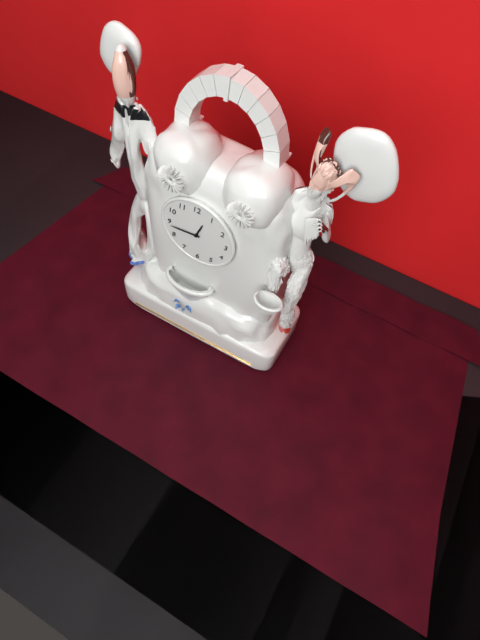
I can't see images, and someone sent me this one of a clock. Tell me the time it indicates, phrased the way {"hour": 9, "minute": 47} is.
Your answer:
{"hour": 12, "minute": 44}
